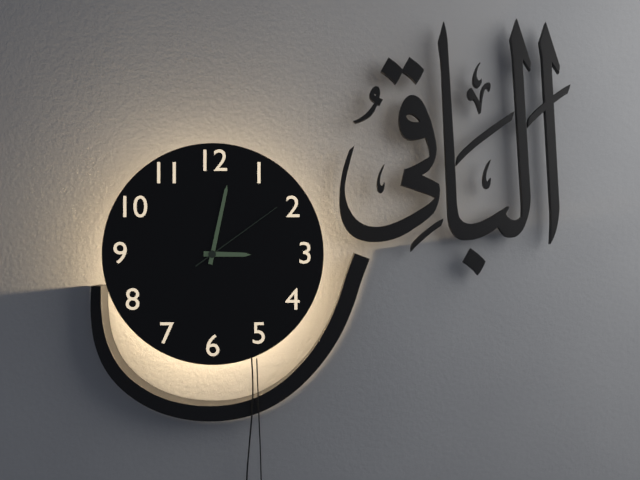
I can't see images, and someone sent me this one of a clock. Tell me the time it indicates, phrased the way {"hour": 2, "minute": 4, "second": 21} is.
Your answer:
{"hour": 3, "minute": 2, "second": 9}
